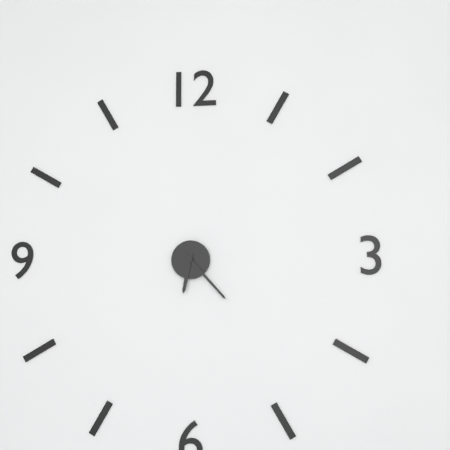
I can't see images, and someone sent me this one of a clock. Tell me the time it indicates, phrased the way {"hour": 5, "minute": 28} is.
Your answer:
{"hour": 6, "minute": 23}
